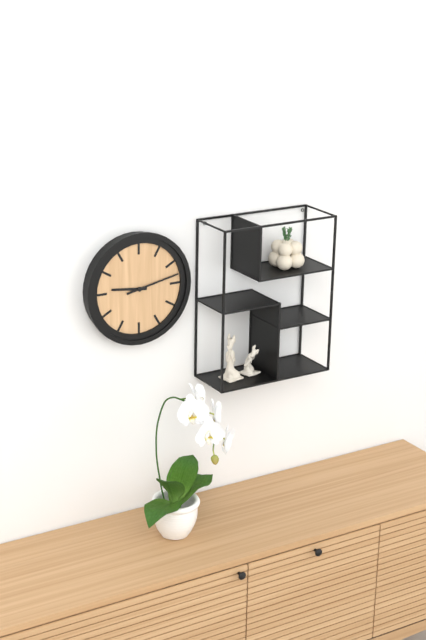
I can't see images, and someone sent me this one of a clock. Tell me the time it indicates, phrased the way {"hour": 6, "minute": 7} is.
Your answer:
{"hour": 9, "minute": 13}
